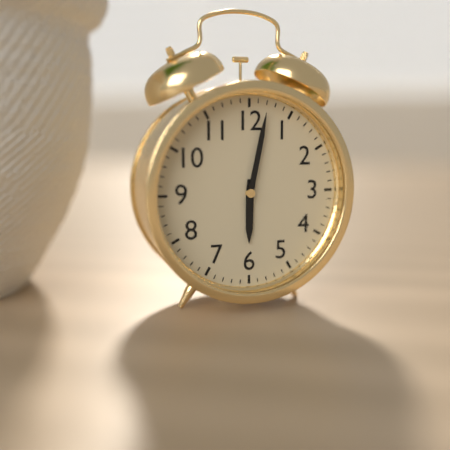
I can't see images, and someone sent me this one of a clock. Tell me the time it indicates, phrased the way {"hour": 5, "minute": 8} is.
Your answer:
{"hour": 6, "minute": 2}
